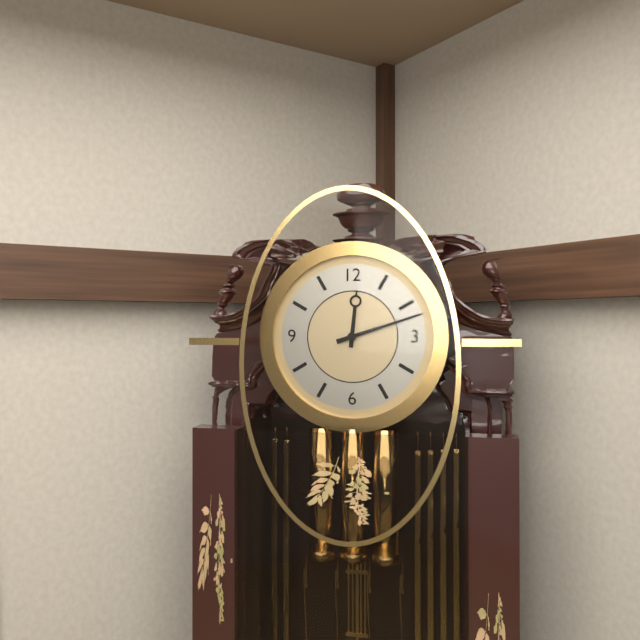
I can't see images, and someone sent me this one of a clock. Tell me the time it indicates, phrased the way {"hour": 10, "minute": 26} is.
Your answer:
{"hour": 12, "minute": 12}
